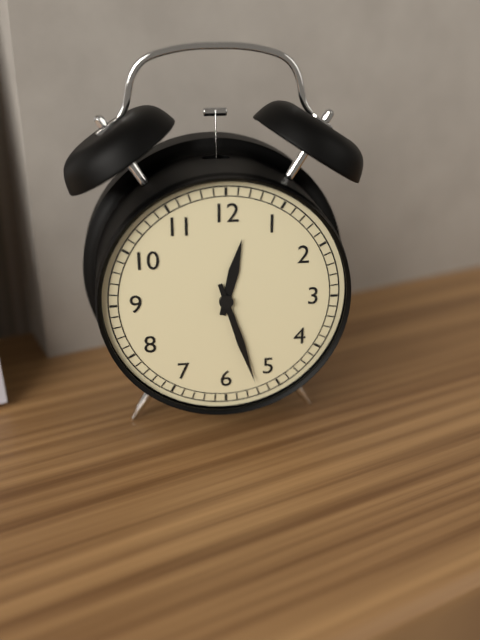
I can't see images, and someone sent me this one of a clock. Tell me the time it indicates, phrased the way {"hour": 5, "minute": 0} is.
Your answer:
{"hour": 12, "minute": 27}
